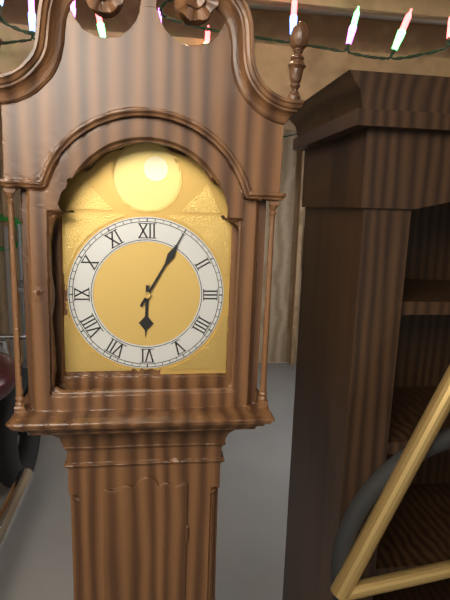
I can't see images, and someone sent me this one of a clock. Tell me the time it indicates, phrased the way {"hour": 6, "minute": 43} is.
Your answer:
{"hour": 6, "minute": 5}
